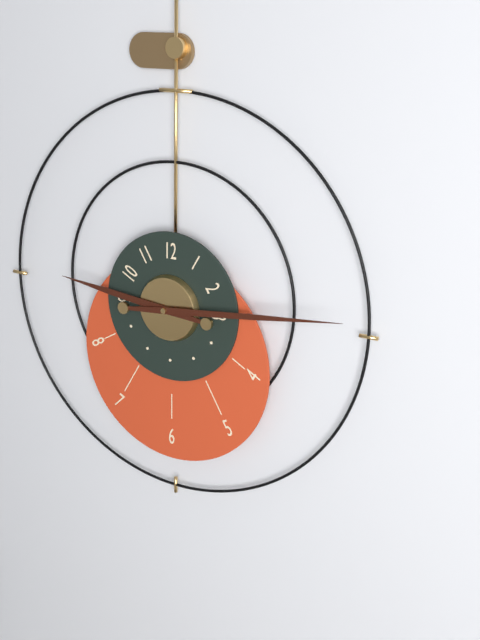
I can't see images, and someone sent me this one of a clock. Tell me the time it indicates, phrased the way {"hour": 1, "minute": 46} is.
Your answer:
{"hour": 9, "minute": 14}
